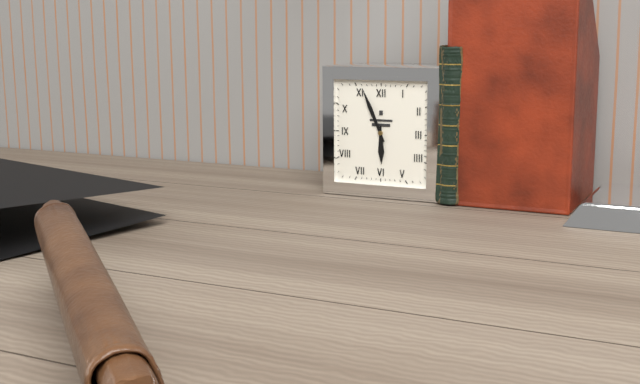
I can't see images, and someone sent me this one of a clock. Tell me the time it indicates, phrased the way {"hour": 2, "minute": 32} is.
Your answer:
{"hour": 5, "minute": 56}
